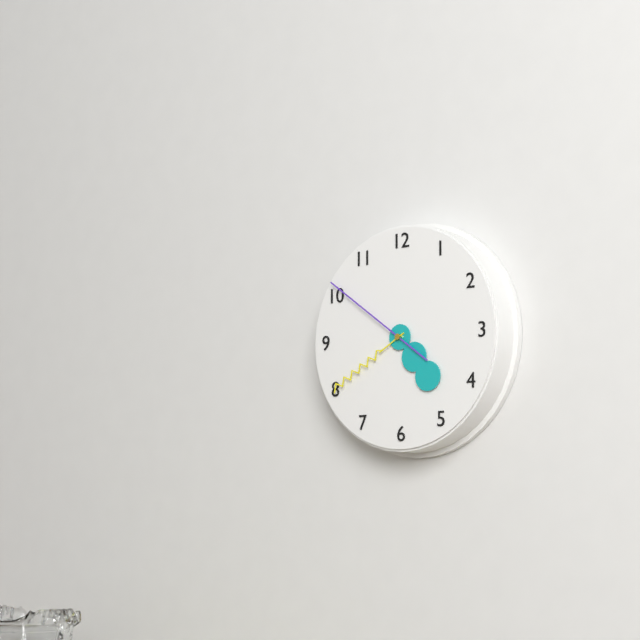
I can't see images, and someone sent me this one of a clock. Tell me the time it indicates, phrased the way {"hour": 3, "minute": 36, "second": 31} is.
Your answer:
{"hour": 4, "minute": 40, "second": 51}
